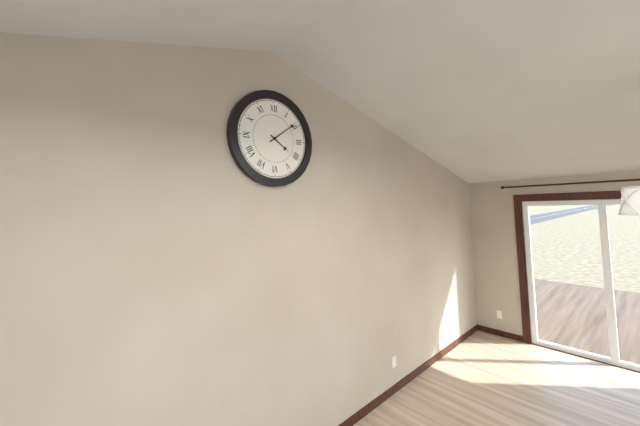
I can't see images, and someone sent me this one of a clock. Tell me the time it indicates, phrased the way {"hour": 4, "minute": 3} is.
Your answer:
{"hour": 4, "minute": 9}
